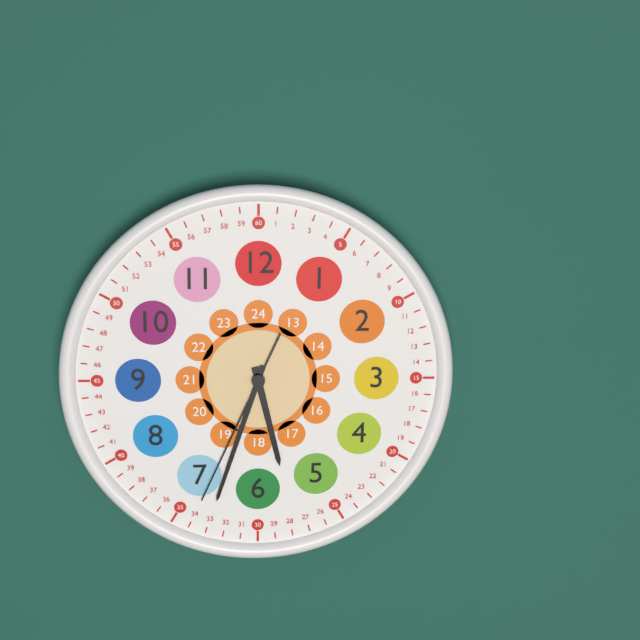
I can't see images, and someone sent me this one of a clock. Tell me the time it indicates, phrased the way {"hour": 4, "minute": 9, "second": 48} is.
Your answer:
{"hour": 5, "minute": 33, "second": 34}
